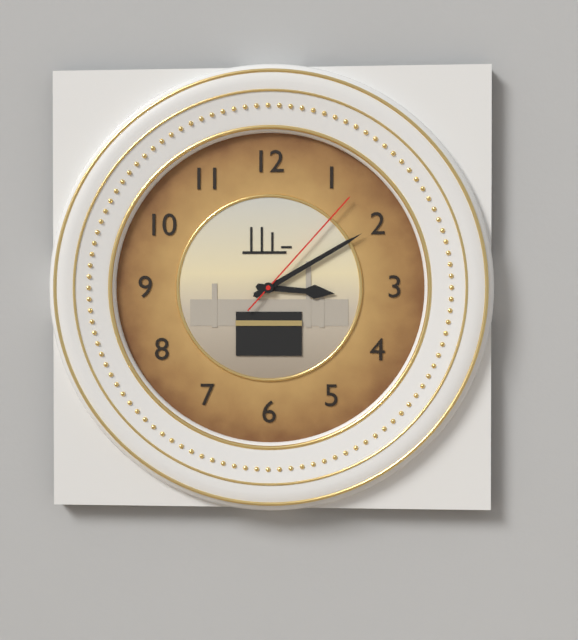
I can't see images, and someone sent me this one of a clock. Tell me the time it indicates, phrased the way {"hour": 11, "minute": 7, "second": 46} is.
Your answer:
{"hour": 3, "minute": 10, "second": 7}
